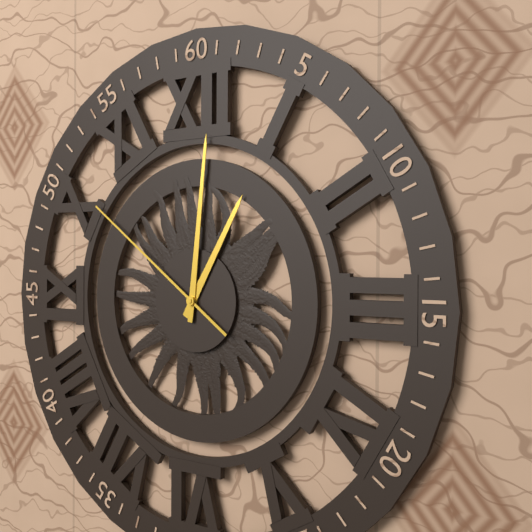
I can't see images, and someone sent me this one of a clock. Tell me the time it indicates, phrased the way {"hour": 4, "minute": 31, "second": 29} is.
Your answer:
{"hour": 1, "minute": 1, "second": 51}
